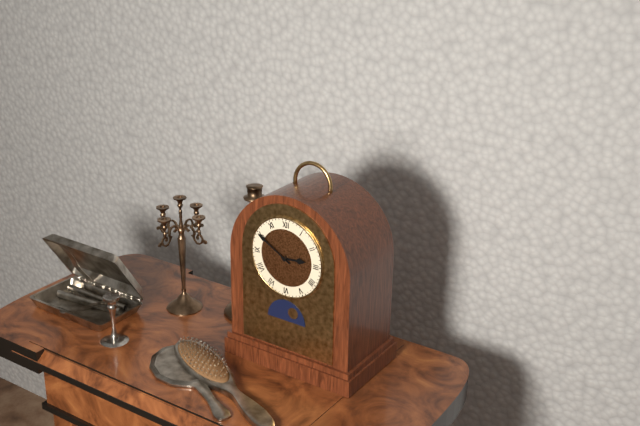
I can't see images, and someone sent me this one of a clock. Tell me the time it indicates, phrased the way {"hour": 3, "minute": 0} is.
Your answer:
{"hour": 2, "minute": 50}
